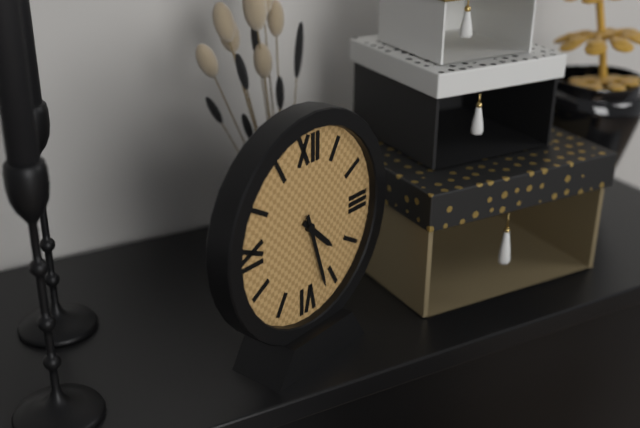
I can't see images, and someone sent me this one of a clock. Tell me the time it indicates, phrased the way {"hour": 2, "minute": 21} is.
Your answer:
{"hour": 4, "minute": 27}
